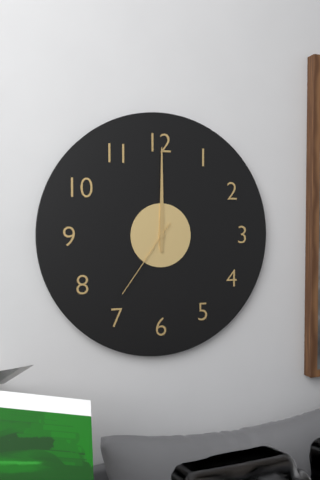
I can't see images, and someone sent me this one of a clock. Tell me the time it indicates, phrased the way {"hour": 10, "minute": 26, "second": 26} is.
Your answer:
{"hour": 12, "minute": 0, "second": 36}
